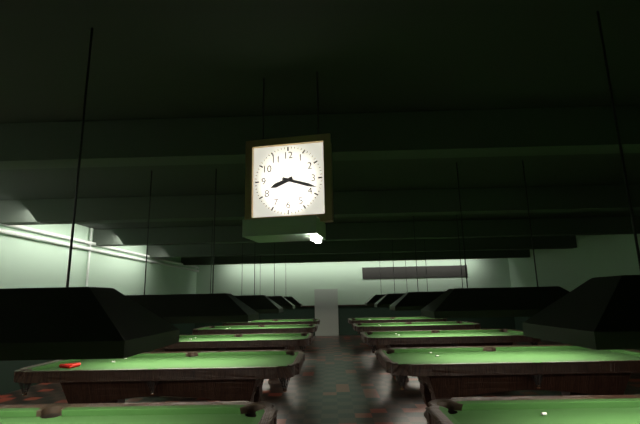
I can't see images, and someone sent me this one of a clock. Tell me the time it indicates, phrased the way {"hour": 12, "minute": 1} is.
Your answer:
{"hour": 8, "minute": 18}
